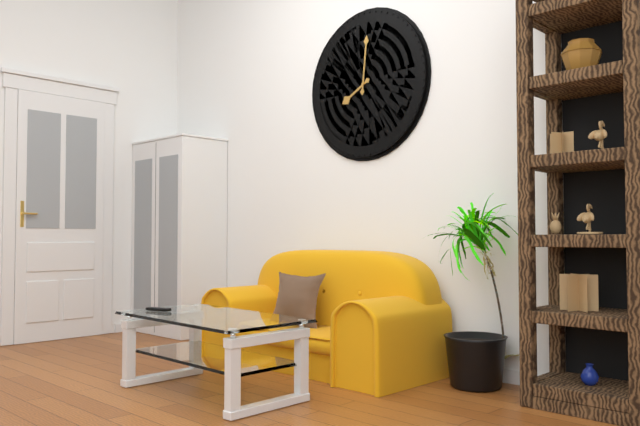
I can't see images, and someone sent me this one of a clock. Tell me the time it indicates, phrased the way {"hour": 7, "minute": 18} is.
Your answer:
{"hour": 8, "minute": 1}
